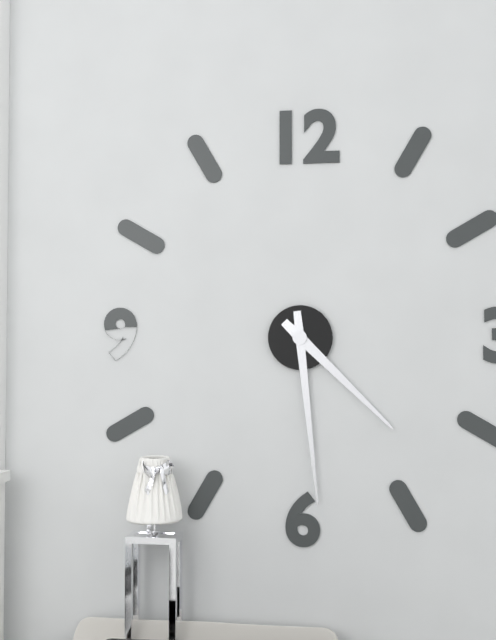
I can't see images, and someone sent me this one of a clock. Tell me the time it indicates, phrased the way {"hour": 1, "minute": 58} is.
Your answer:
{"hour": 4, "minute": 29}
